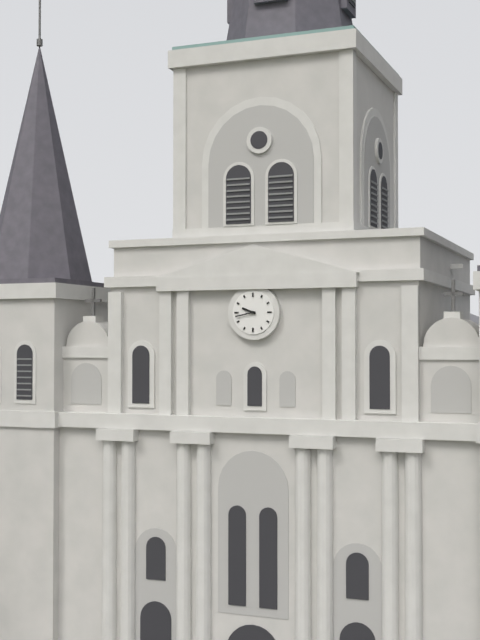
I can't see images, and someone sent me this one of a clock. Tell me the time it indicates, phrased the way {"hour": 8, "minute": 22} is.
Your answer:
{"hour": 9, "minute": 43}
